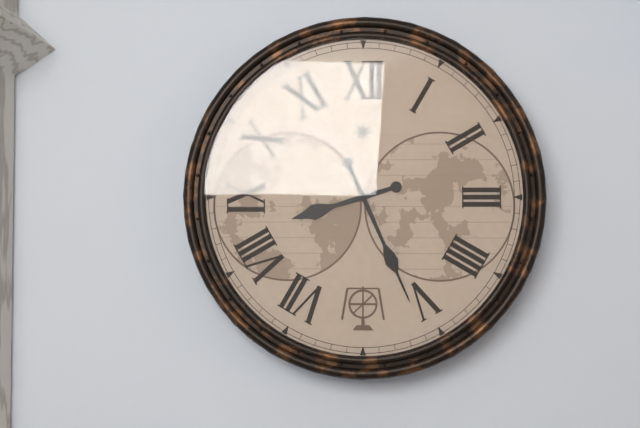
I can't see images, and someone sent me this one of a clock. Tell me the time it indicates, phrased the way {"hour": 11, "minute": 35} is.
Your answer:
{"hour": 8, "minute": 26}
